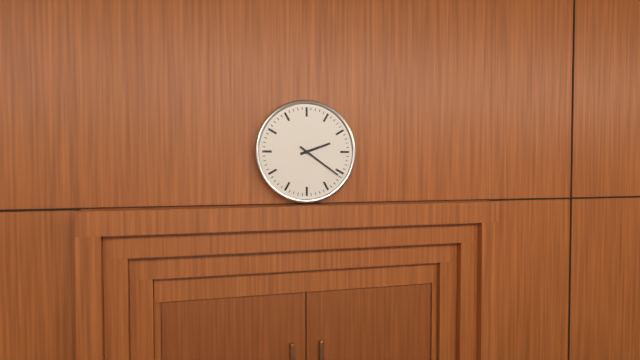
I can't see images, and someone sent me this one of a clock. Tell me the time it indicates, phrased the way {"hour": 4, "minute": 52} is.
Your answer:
{"hour": 2, "minute": 21}
